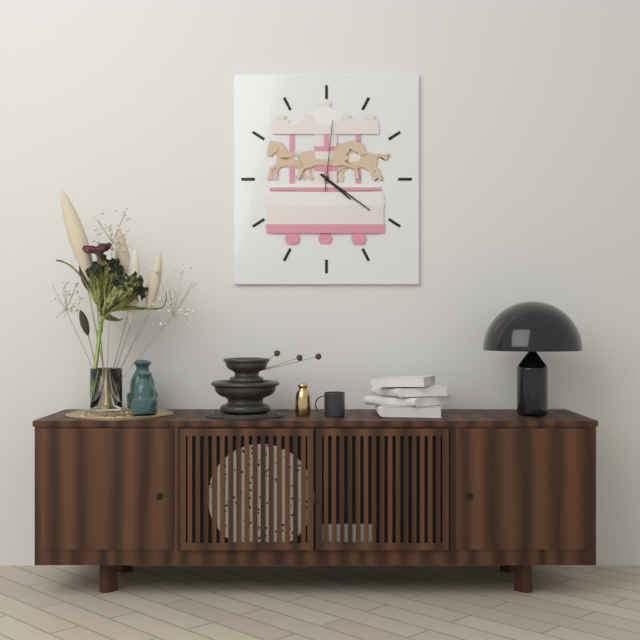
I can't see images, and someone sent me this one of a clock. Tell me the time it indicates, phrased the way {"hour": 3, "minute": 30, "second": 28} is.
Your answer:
{"hour": 4, "minute": 21, "second": 1}
